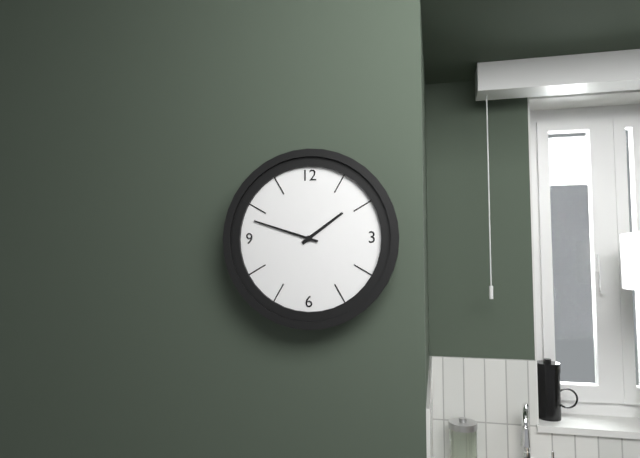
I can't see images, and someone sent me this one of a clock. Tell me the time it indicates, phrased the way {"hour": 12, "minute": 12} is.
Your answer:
{"hour": 1, "minute": 48}
